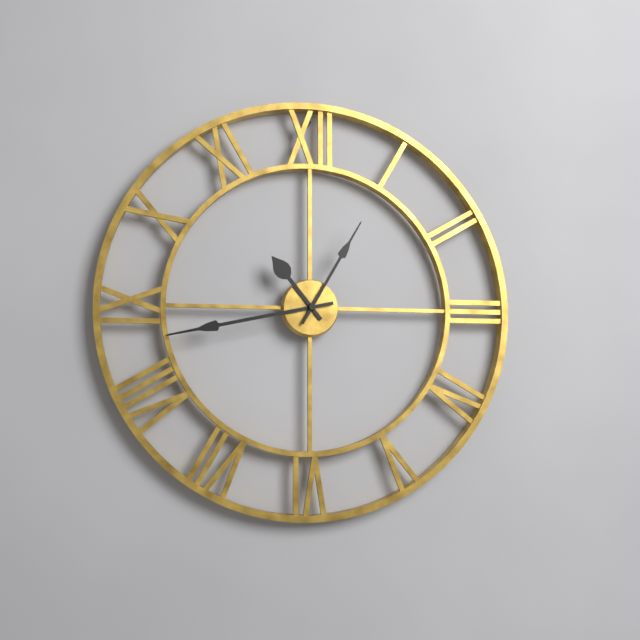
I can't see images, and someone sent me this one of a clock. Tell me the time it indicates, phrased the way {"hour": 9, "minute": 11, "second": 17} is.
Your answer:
{"hour": 10, "minute": 43, "second": 5}
